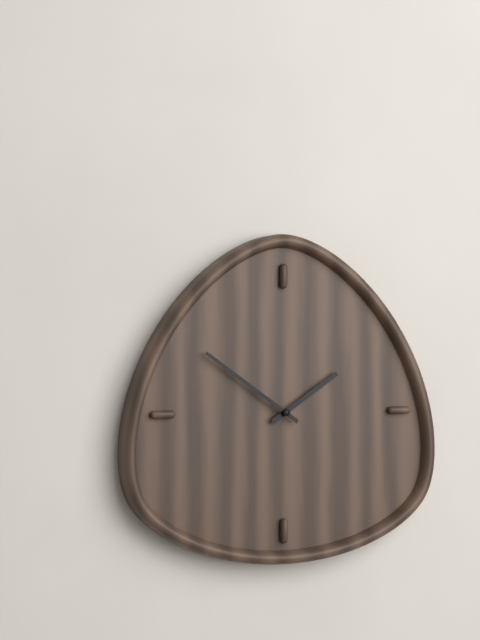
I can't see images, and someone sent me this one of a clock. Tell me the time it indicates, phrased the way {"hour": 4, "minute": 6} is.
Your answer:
{"hour": 1, "minute": 51}
